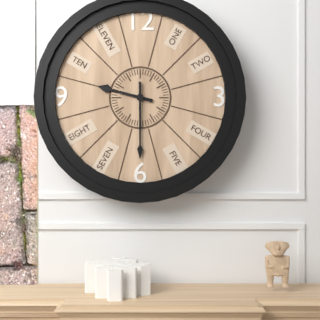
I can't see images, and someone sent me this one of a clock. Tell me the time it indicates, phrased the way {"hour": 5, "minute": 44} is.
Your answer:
{"hour": 9, "minute": 30}
